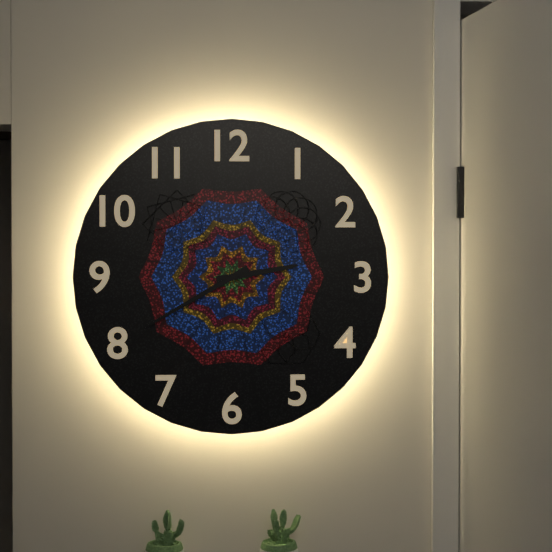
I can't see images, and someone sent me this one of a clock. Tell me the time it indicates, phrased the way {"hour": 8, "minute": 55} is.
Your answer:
{"hour": 2, "minute": 40}
